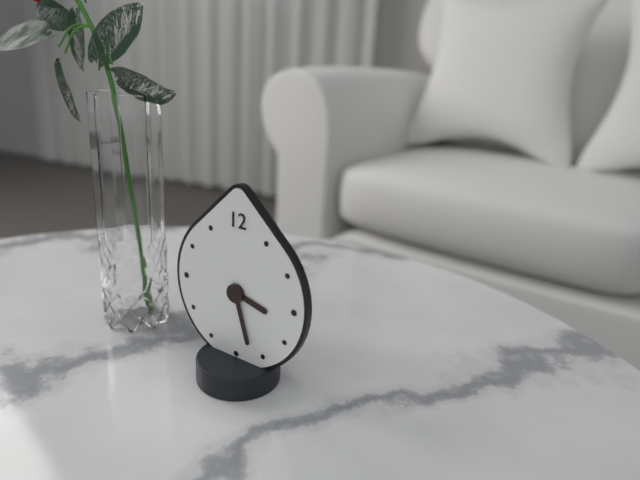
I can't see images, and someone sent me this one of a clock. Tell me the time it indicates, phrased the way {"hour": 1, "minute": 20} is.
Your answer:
{"hour": 3, "minute": 27}
